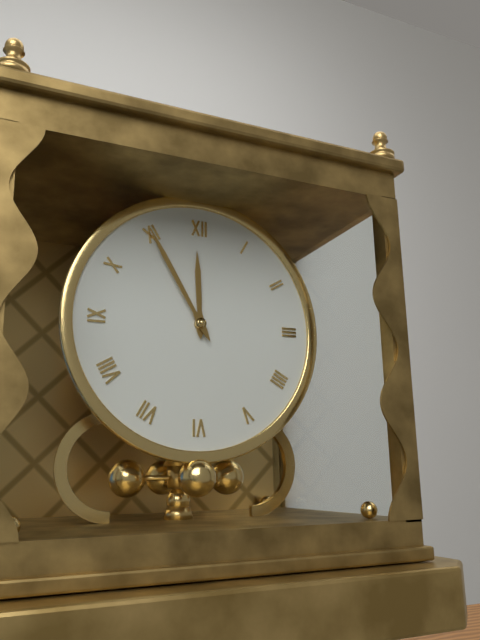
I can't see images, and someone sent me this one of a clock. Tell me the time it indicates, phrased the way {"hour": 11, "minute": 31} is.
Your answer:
{"hour": 11, "minute": 55}
